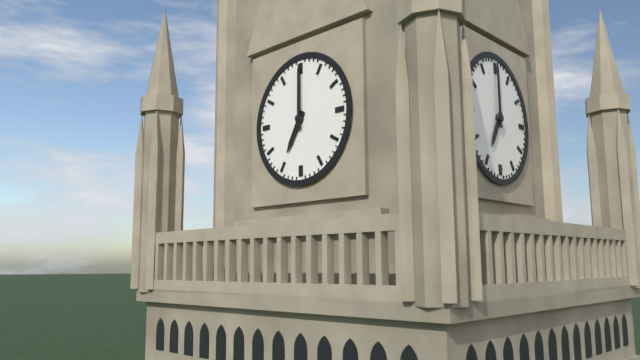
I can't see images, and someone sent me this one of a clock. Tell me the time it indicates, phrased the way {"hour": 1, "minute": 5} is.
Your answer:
{"hour": 7, "minute": 0}
